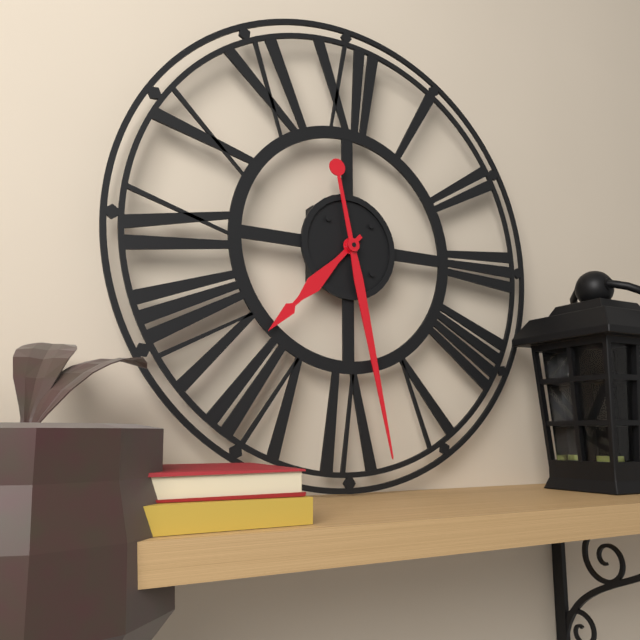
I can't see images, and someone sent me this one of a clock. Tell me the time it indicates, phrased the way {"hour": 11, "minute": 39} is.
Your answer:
{"hour": 7, "minute": 28}
